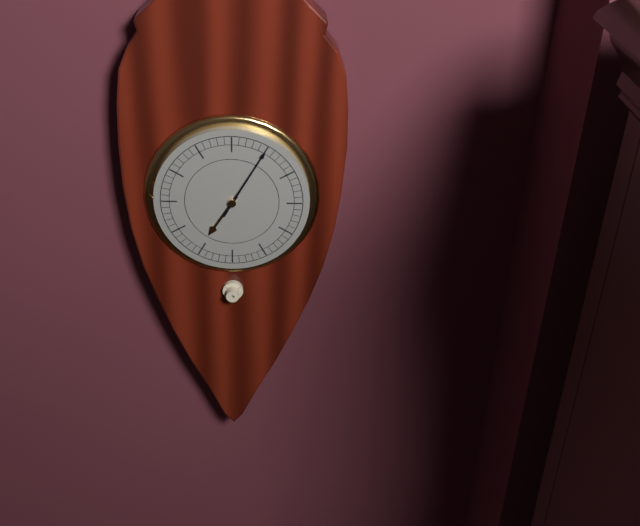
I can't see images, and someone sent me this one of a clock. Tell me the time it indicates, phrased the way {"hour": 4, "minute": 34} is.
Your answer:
{"hour": 7, "minute": 5}
